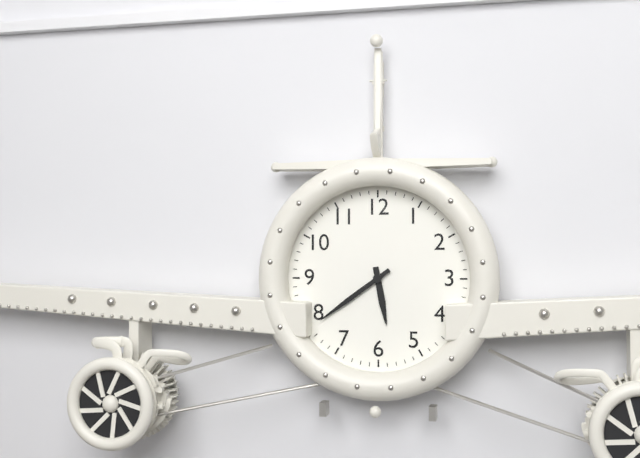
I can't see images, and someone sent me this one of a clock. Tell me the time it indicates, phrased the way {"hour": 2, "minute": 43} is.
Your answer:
{"hour": 5, "minute": 39}
